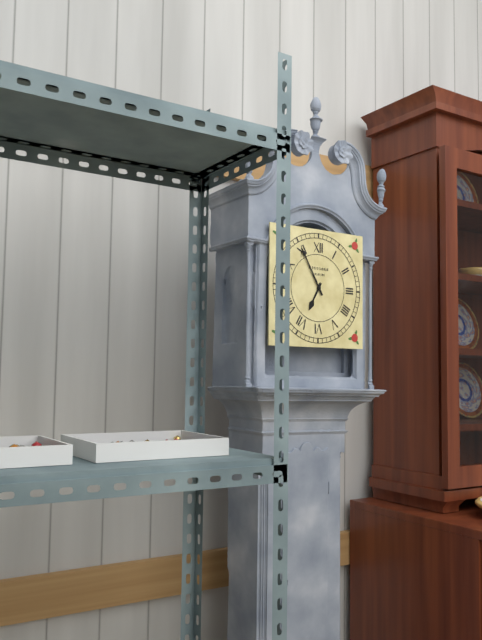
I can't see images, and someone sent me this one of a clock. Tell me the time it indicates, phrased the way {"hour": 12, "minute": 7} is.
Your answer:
{"hour": 6, "minute": 55}
